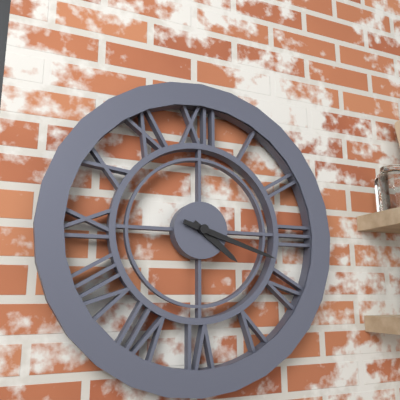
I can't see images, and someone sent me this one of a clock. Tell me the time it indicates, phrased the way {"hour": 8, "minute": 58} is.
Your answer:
{"hour": 4, "minute": 18}
